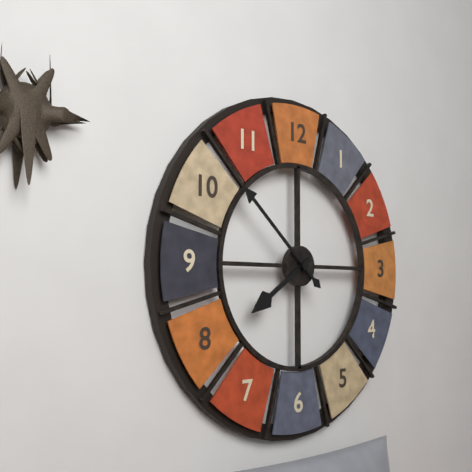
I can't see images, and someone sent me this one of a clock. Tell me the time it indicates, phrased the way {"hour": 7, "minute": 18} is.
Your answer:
{"hour": 7, "minute": 52}
